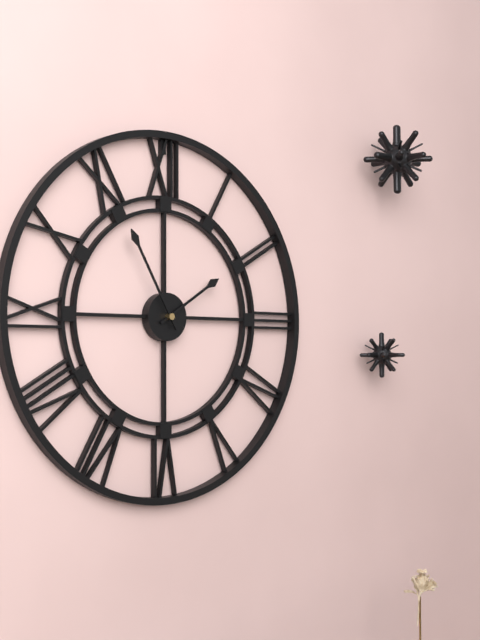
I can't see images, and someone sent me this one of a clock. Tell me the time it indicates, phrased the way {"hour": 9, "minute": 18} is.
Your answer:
{"hour": 1, "minute": 55}
